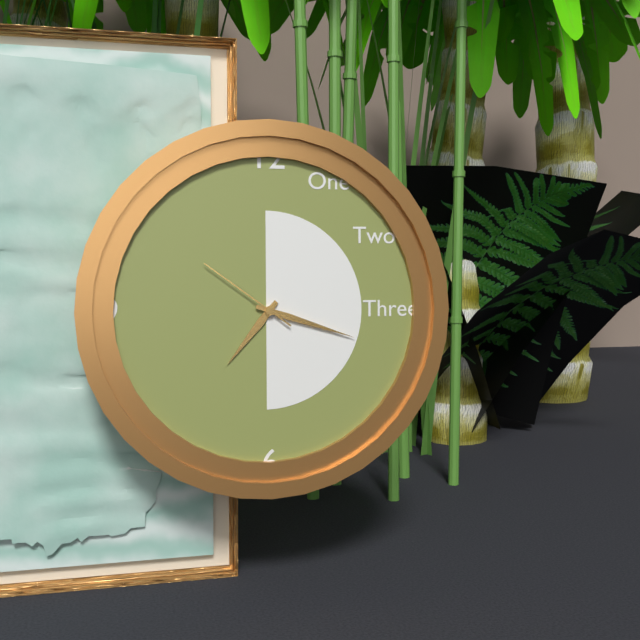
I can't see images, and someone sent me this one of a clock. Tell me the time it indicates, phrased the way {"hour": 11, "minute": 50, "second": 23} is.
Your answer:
{"hour": 7, "minute": 18, "second": 51}
